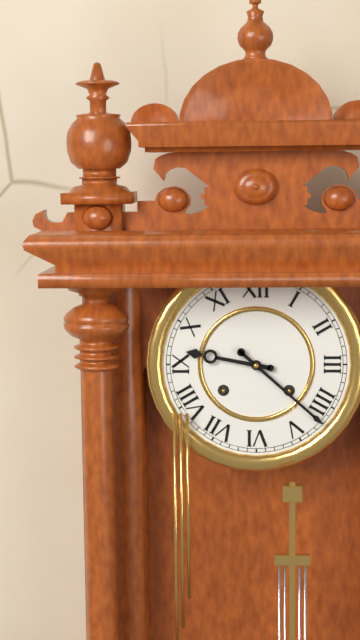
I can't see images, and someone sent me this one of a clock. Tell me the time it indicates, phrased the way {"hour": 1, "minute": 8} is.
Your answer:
{"hour": 9, "minute": 22}
